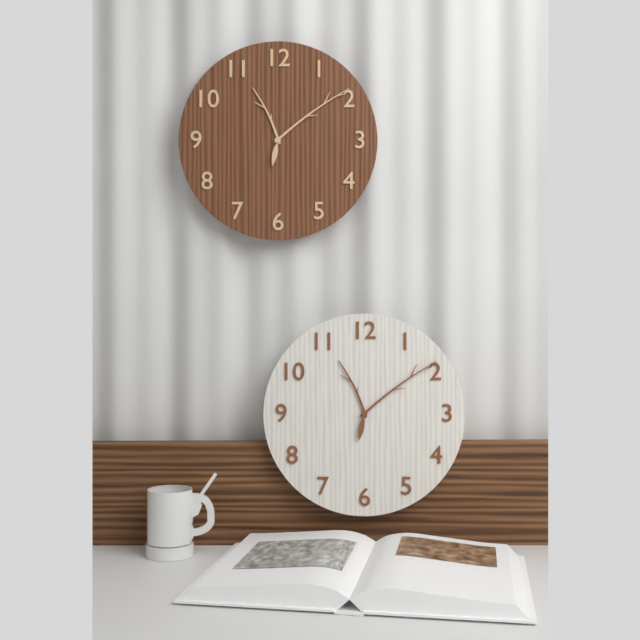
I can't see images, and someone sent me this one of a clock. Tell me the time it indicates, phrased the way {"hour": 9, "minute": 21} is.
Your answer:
{"hour": 11, "minute": 9}
